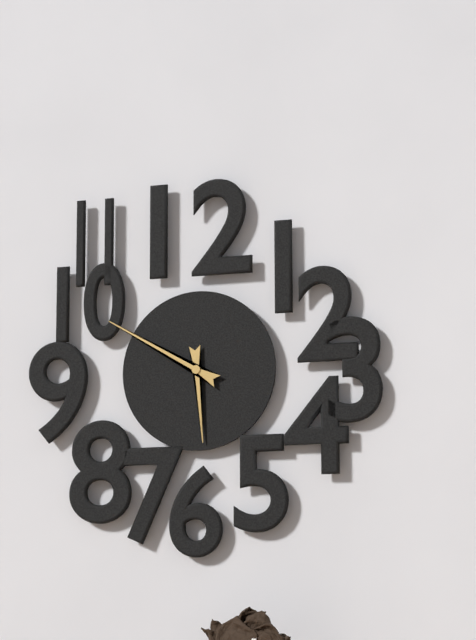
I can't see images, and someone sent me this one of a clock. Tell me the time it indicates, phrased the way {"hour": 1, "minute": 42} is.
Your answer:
{"hour": 5, "minute": 50}
